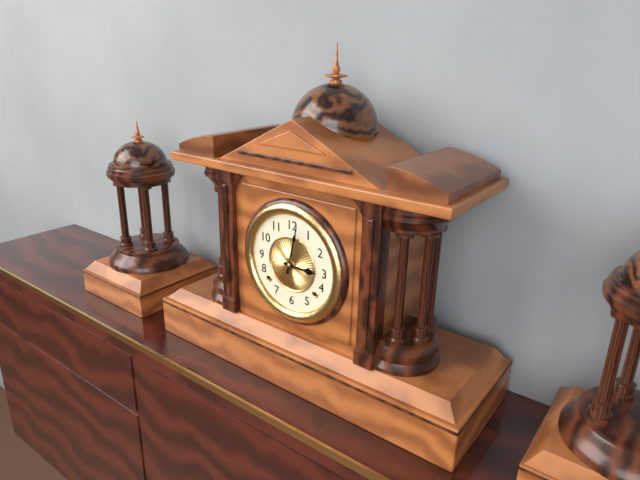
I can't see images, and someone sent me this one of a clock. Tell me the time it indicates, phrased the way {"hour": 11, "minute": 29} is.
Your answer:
{"hour": 3, "minute": 2}
